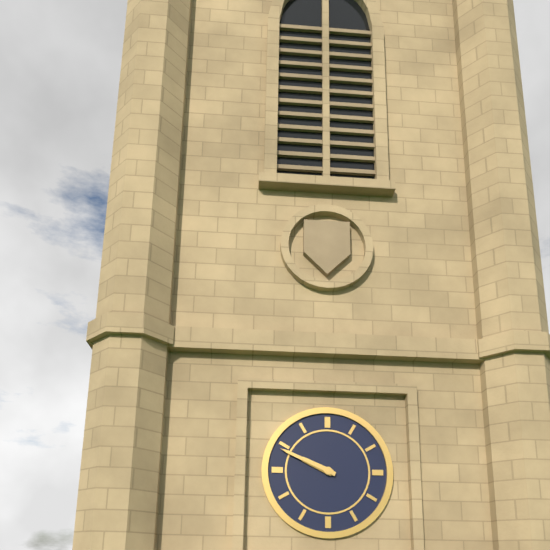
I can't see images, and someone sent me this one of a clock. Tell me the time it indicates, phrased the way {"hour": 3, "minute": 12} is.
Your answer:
{"hour": 9, "minute": 49}
